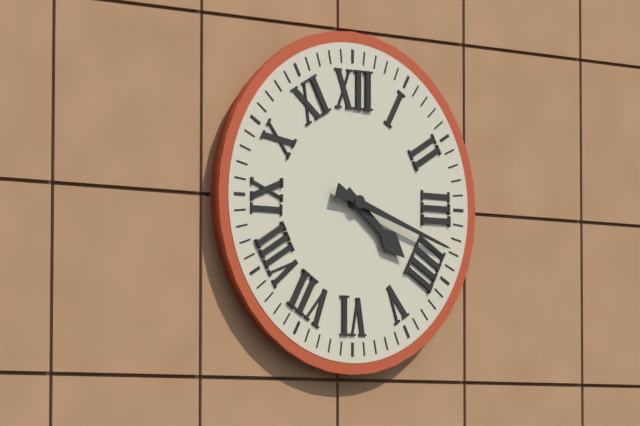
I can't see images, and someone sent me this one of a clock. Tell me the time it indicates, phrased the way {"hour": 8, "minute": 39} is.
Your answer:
{"hour": 4, "minute": 18}
